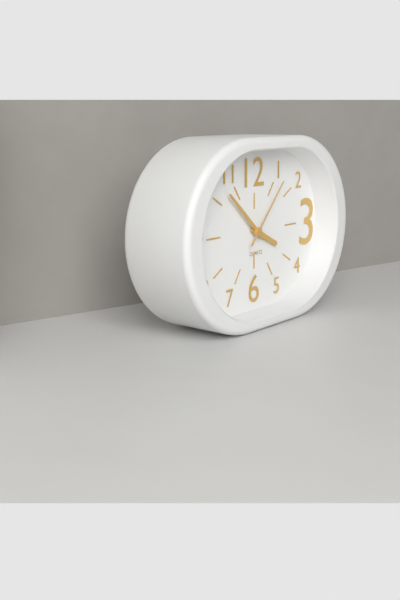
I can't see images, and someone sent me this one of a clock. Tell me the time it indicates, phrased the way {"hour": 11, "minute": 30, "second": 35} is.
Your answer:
{"hour": 3, "minute": 52, "second": 7}
